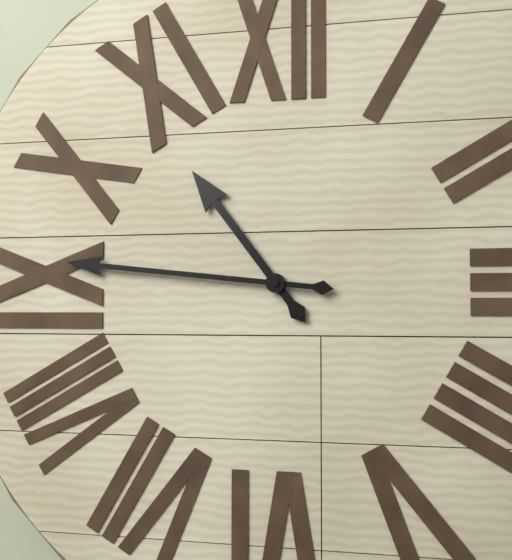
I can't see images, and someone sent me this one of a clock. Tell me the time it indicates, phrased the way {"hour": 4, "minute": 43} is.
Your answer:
{"hour": 10, "minute": 46}
